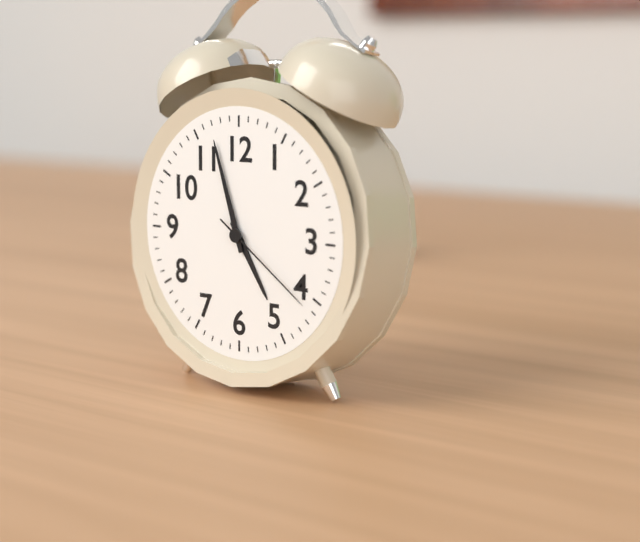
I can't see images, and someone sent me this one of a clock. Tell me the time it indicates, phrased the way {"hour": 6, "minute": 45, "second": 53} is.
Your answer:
{"hour": 4, "minute": 57, "second": 21}
